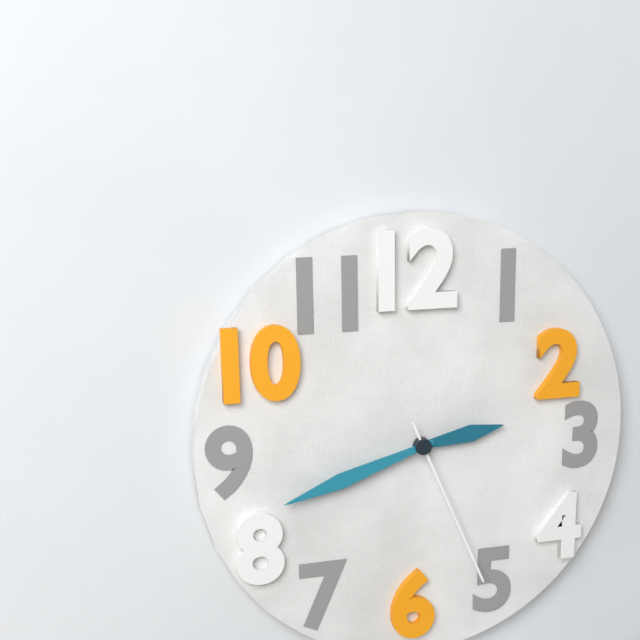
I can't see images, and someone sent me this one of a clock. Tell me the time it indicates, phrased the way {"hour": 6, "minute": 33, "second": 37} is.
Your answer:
{"hour": 2, "minute": 42, "second": 26}
